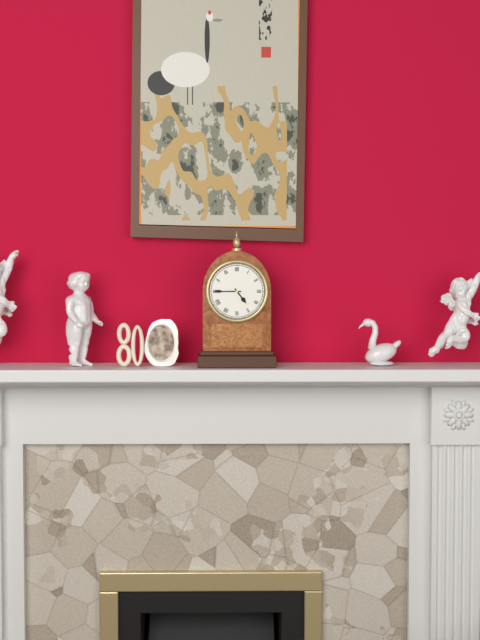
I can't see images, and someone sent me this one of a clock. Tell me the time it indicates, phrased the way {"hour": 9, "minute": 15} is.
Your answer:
{"hour": 4, "minute": 45}
